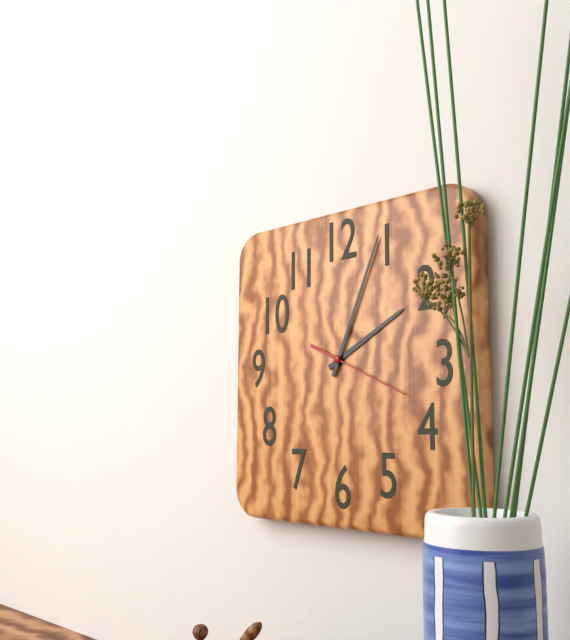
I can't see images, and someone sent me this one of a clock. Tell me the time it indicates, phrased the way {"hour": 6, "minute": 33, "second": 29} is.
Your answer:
{"hour": 2, "minute": 4, "second": 19}
